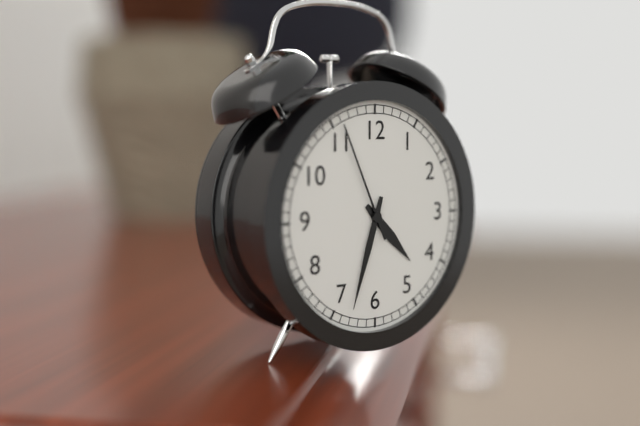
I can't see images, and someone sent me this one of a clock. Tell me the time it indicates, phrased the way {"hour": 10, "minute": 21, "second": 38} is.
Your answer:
{"hour": 4, "minute": 33, "second": 56}
